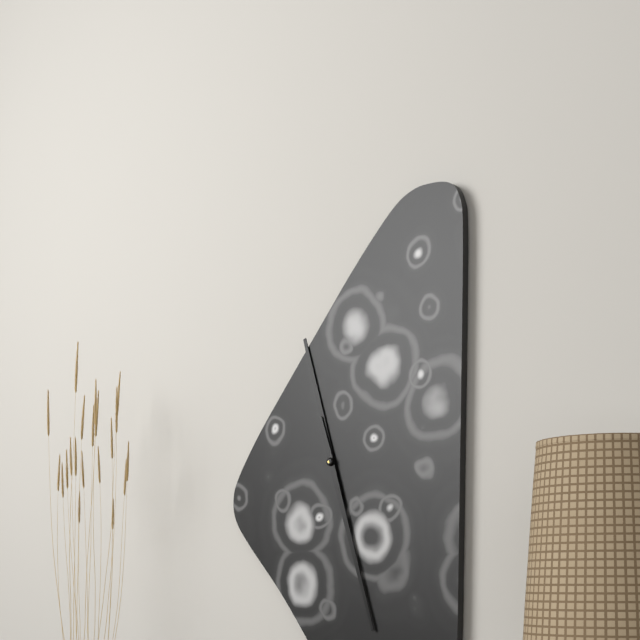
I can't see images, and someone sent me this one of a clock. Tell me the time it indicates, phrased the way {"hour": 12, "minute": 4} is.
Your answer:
{"hour": 11, "minute": 27}
